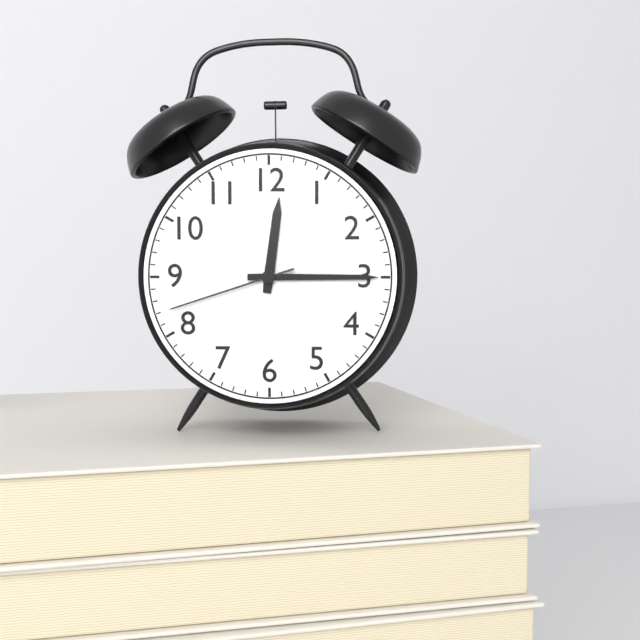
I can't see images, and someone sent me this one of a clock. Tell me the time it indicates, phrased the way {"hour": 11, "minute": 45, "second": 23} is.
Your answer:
{"hour": 12, "minute": 15, "second": 42}
